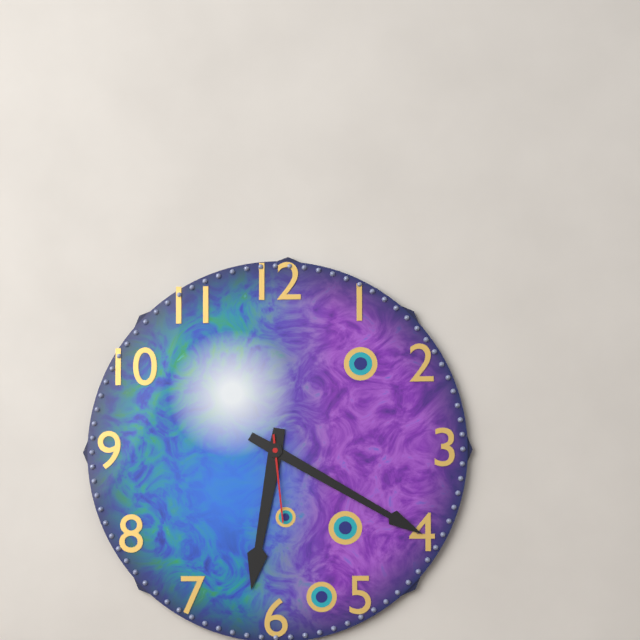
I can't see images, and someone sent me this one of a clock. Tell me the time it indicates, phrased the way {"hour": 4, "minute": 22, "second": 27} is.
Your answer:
{"hour": 6, "minute": 20, "second": 29}
